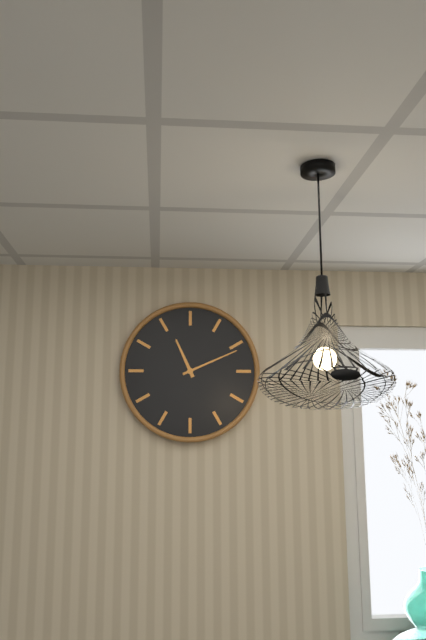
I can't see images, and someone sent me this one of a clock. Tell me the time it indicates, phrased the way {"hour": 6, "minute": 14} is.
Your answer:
{"hour": 11, "minute": 11}
